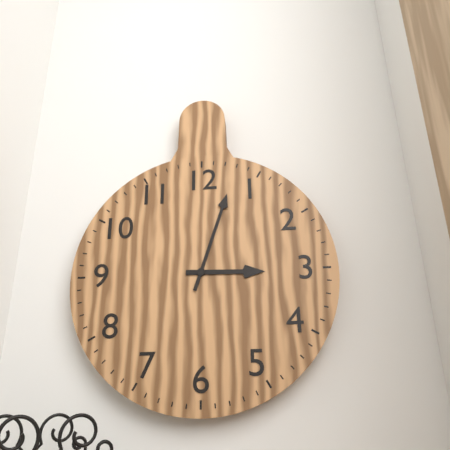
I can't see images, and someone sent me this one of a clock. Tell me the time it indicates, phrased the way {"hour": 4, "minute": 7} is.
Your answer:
{"hour": 3, "minute": 3}
